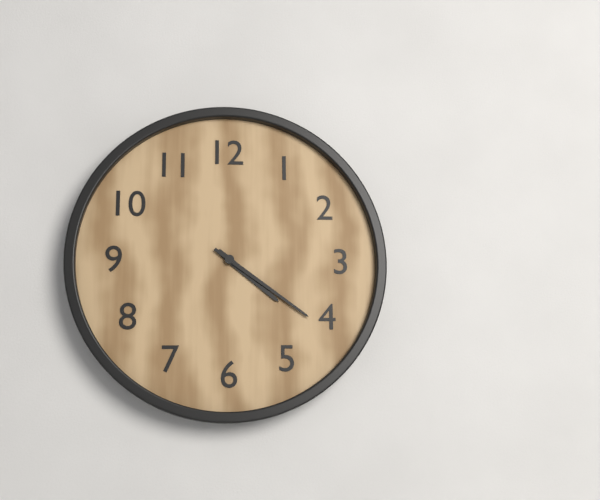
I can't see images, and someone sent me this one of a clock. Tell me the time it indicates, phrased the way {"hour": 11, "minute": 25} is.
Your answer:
{"hour": 4, "minute": 21}
